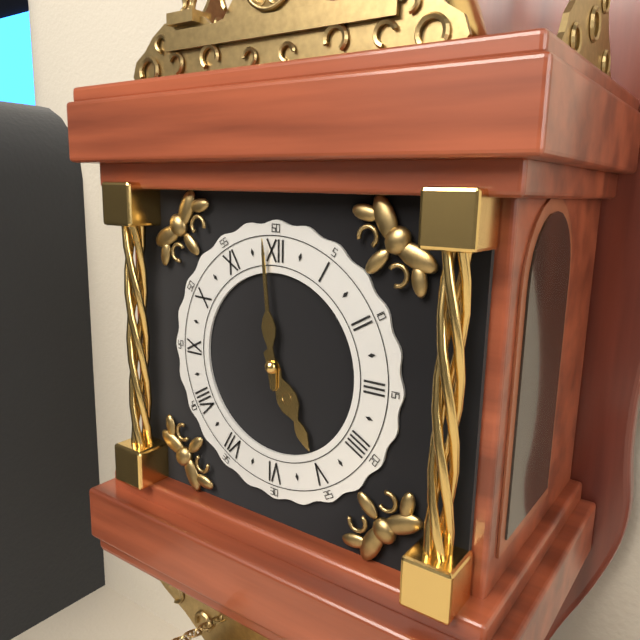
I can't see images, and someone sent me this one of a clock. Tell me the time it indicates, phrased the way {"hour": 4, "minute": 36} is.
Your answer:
{"hour": 4, "minute": 59}
